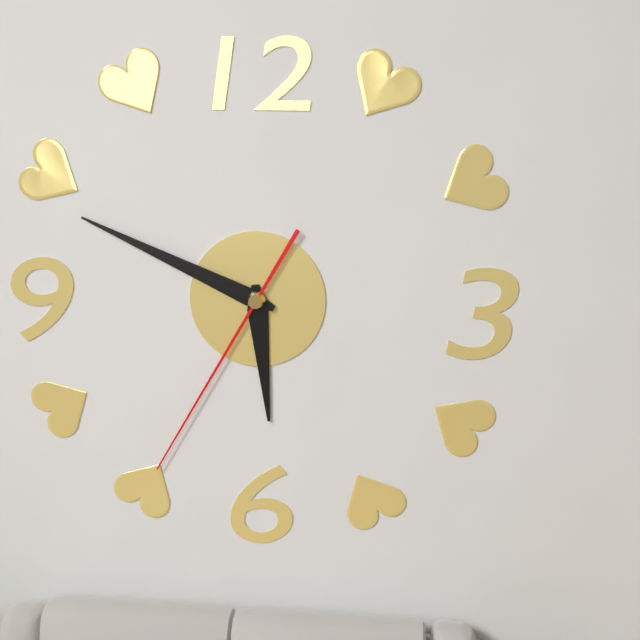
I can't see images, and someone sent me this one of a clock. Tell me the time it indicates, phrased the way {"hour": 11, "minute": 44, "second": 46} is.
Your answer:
{"hour": 5, "minute": 49, "second": 35}
